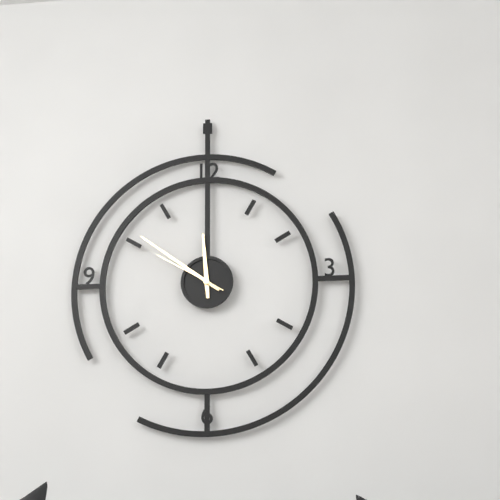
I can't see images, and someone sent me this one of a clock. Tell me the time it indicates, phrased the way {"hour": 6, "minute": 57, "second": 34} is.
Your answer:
{"hour": 11, "minute": 51, "second": 50}
